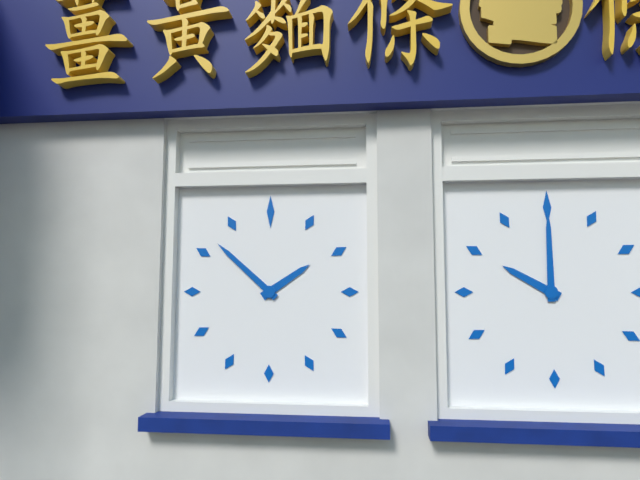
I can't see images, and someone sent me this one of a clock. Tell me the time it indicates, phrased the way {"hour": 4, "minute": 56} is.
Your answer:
{"hour": 1, "minute": 52}
